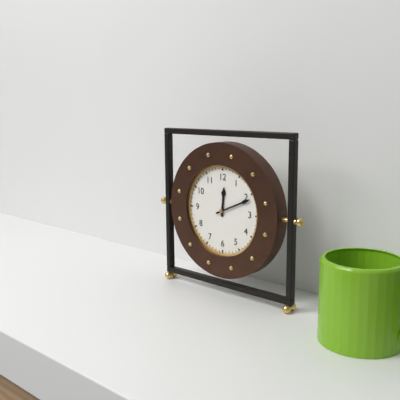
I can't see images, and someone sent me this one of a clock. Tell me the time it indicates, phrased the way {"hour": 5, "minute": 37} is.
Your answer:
{"hour": 12, "minute": 11}
